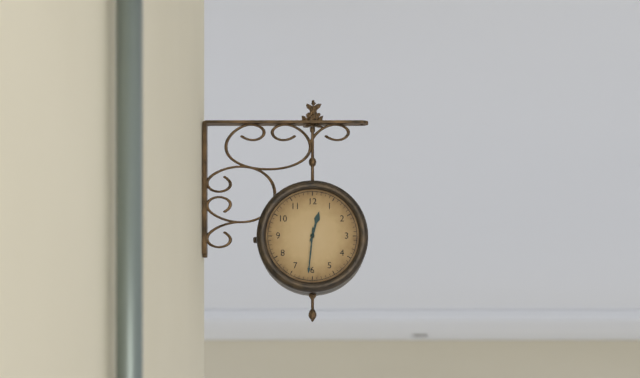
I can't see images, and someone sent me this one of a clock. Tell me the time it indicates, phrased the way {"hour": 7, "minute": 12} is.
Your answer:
{"hour": 12, "minute": 31}
